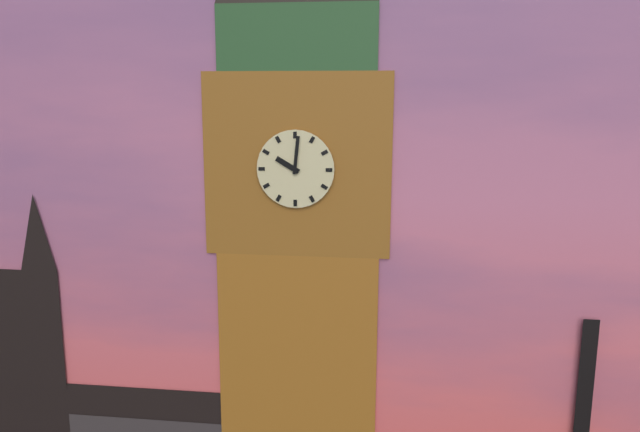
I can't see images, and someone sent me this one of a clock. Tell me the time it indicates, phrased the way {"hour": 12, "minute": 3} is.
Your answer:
{"hour": 10, "minute": 1}
